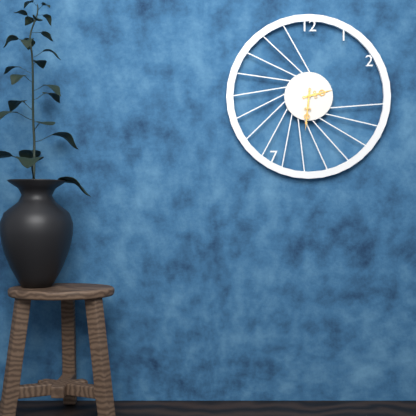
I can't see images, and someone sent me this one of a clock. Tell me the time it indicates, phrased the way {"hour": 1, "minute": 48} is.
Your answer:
{"hour": 2, "minute": 31}
